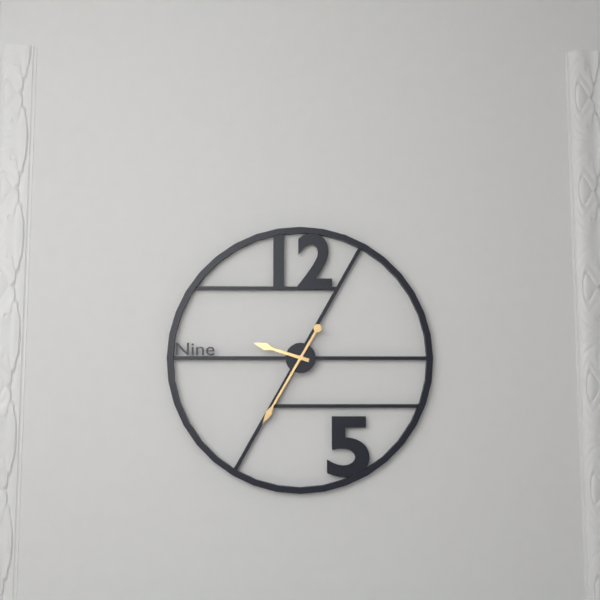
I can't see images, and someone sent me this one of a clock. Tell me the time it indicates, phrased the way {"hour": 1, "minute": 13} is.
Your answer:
{"hour": 9, "minute": 35}
